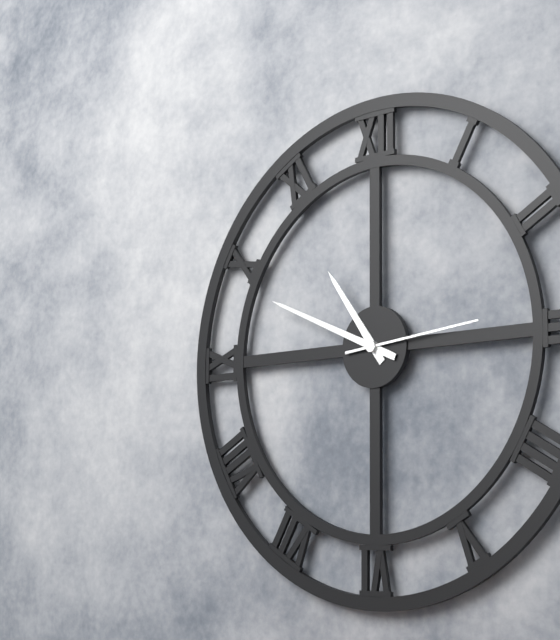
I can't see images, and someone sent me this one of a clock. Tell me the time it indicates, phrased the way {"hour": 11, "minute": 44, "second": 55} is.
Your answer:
{"hour": 10, "minute": 49, "second": 14}
